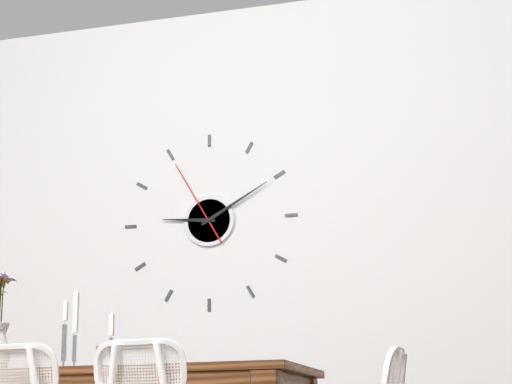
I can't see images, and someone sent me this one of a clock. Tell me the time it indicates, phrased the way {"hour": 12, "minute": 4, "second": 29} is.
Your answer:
{"hour": 9, "minute": 10, "second": 55}
